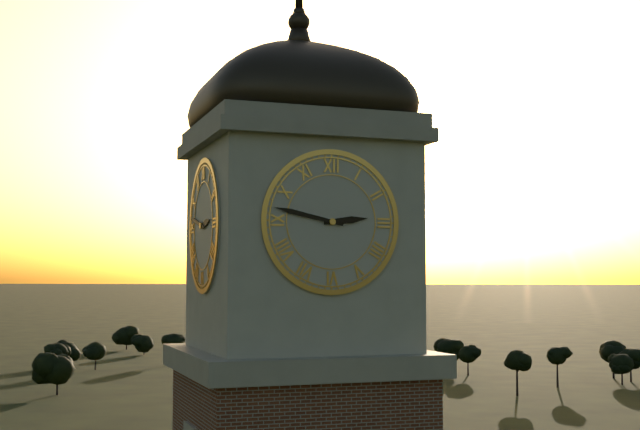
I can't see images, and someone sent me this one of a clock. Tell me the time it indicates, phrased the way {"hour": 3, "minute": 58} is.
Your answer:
{"hour": 2, "minute": 47}
